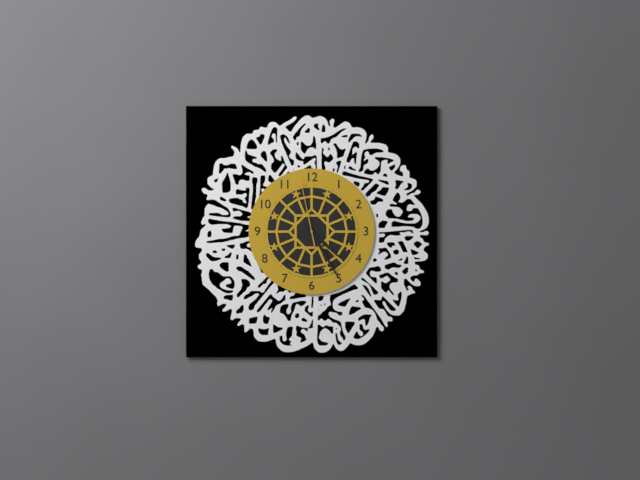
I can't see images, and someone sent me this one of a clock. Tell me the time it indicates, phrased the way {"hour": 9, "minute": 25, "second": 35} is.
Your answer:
{"hour": 4, "minute": 25, "second": 58}
